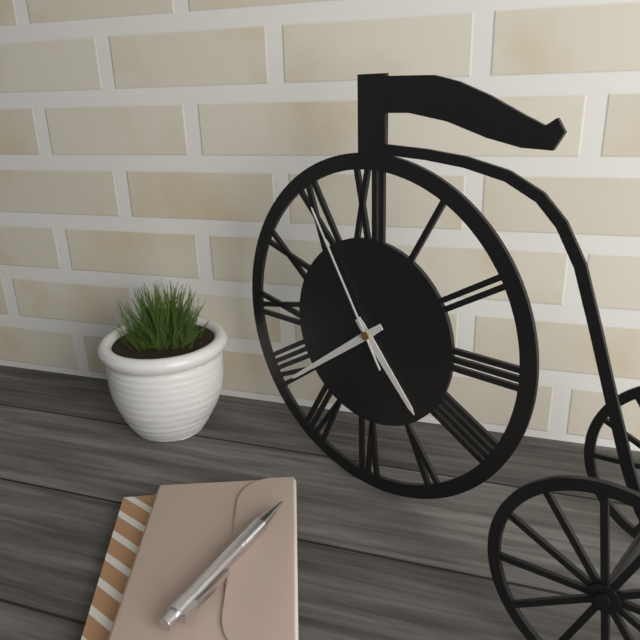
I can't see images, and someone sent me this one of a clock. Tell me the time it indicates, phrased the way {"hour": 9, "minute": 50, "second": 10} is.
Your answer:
{"hour": 4, "minute": 39, "second": 55}
